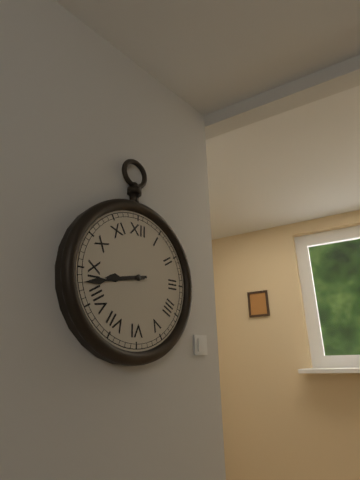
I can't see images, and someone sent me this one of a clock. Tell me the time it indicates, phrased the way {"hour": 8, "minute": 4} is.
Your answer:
{"hour": 8, "minute": 43}
